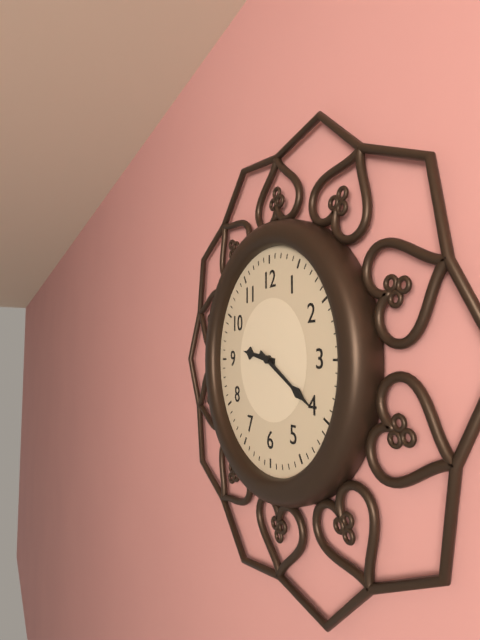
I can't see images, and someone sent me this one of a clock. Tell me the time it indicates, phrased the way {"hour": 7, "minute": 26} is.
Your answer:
{"hour": 9, "minute": 20}
